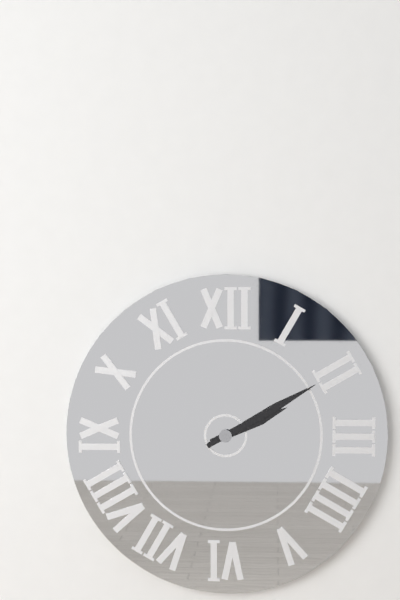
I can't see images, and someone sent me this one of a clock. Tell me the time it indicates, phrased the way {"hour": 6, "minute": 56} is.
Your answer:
{"hour": 2, "minute": 10}
